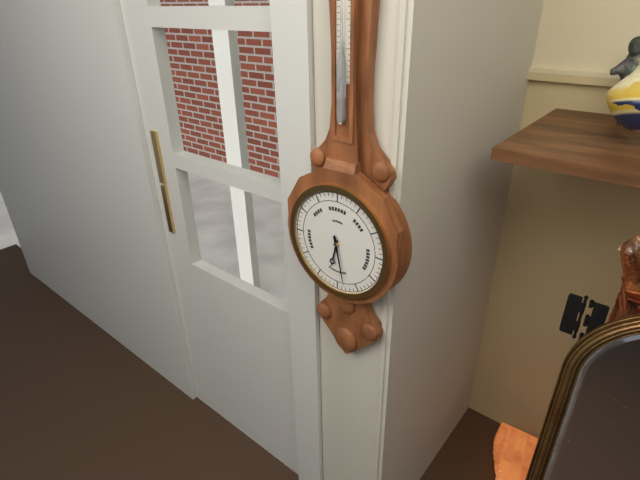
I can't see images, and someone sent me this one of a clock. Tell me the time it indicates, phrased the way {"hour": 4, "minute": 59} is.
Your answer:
{"hour": 6, "minute": 28}
